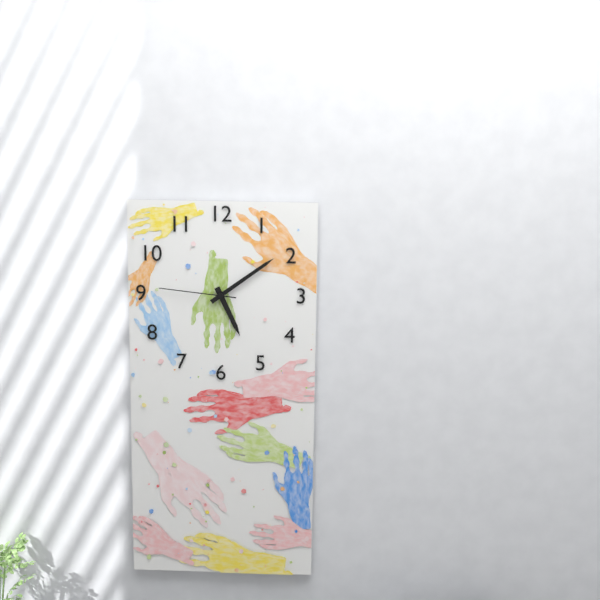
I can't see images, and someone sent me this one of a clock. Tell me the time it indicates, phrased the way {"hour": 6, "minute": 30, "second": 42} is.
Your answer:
{"hour": 5, "minute": 9, "second": 46}
